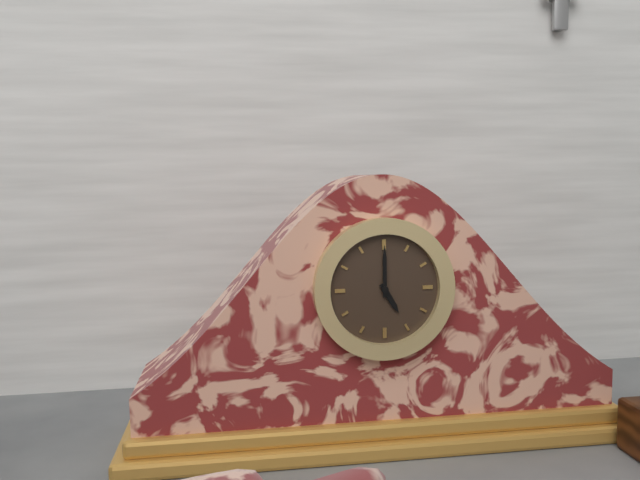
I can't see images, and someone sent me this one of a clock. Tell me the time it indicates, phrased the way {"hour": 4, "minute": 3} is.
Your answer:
{"hour": 5, "minute": 0}
